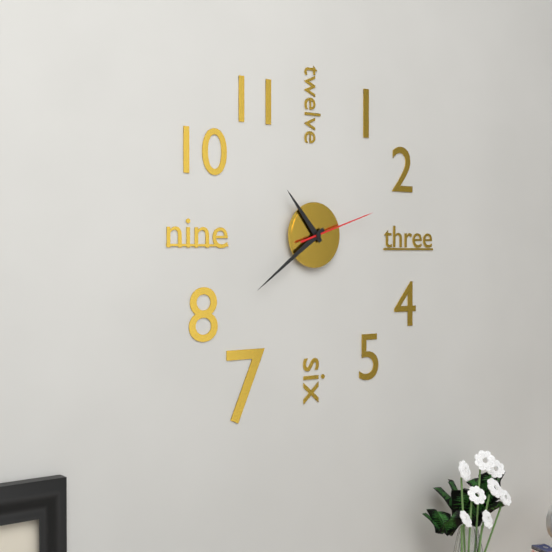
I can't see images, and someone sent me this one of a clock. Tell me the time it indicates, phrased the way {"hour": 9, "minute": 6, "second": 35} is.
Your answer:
{"hour": 10, "minute": 39, "second": 12}
